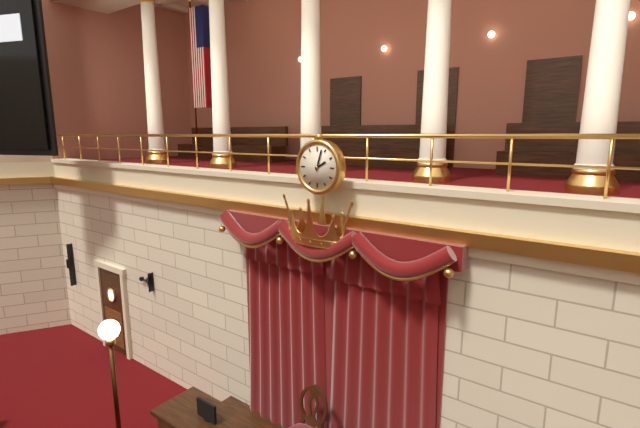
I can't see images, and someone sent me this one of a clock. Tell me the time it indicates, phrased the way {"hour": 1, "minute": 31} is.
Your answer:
{"hour": 2, "minute": 3}
